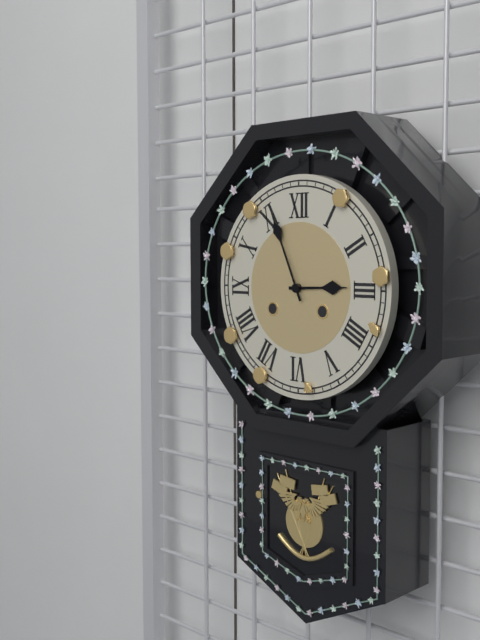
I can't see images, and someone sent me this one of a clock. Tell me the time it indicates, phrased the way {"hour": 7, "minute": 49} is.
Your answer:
{"hour": 2, "minute": 56}
